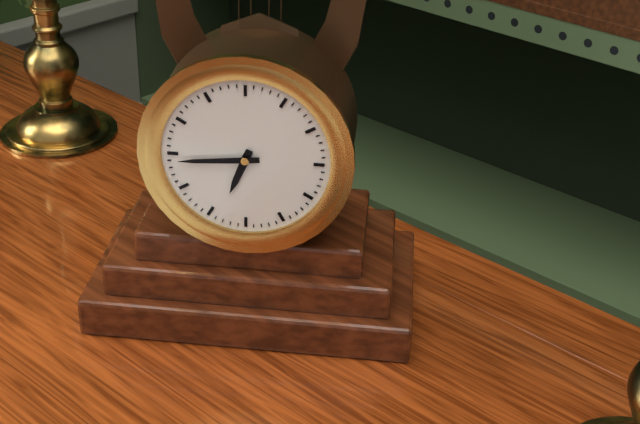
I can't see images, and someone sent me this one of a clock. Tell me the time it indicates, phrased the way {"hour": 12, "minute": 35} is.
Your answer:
{"hour": 6, "minute": 44}
